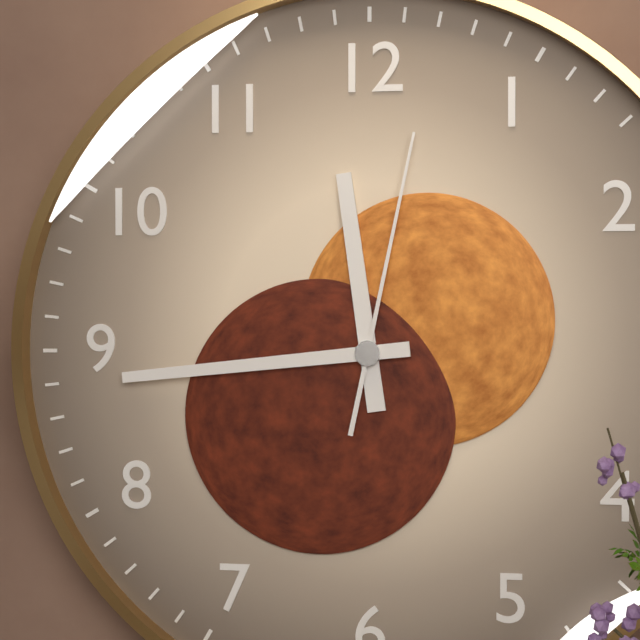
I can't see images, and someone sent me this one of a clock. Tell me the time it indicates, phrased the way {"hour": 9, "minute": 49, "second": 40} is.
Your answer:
{"hour": 11, "minute": 44, "second": 2}
